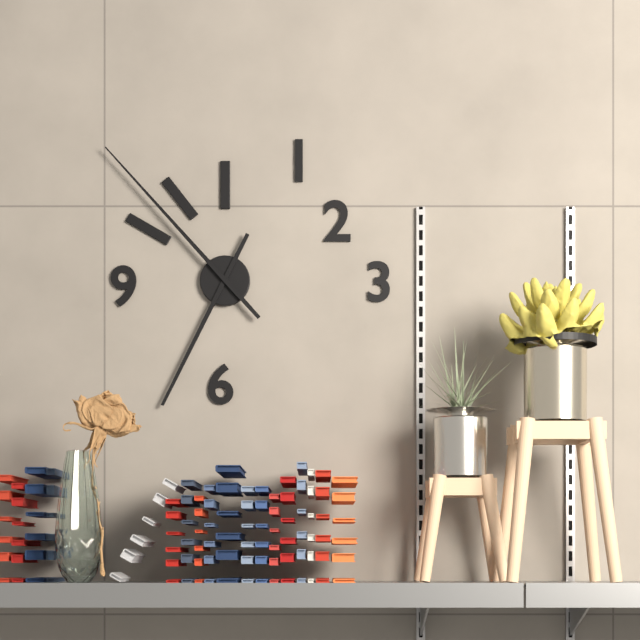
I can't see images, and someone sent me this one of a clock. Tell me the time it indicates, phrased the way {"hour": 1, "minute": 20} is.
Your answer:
{"hour": 6, "minute": 53}
